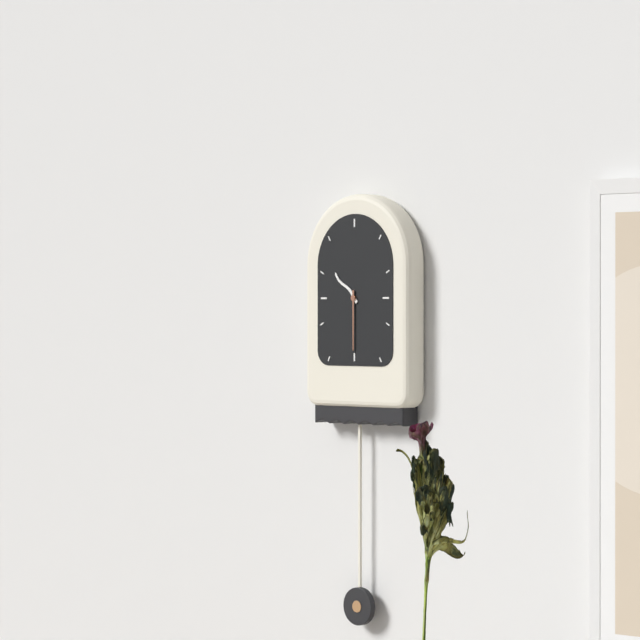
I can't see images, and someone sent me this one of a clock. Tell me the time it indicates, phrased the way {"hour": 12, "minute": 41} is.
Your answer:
{"hour": 10, "minute": 30}
